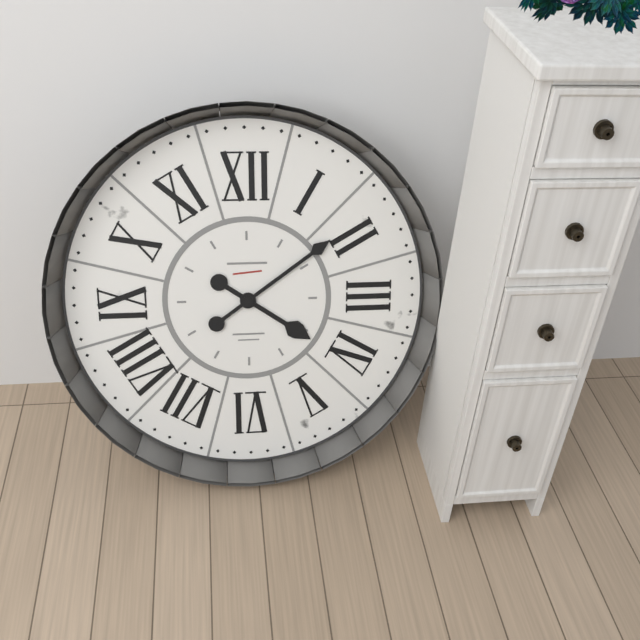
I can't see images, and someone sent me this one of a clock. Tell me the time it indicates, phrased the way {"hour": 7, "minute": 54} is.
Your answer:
{"hour": 4, "minute": 9}
